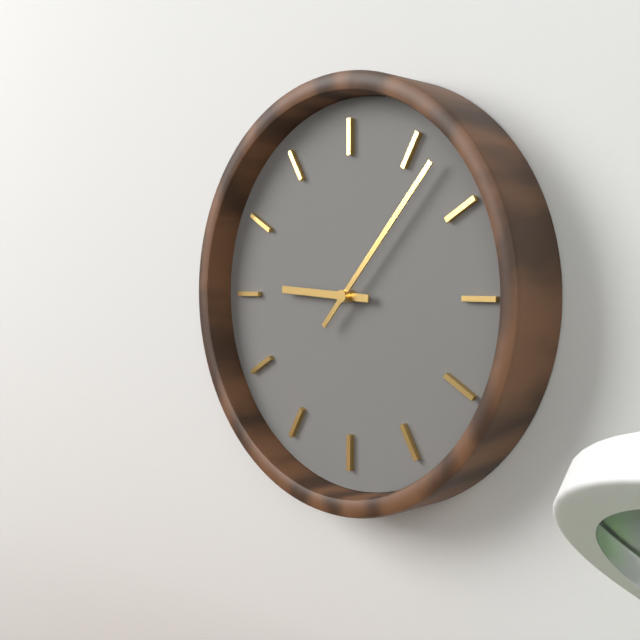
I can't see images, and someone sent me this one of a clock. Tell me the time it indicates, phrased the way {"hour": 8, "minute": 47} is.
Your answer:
{"hour": 9, "minute": 7}
